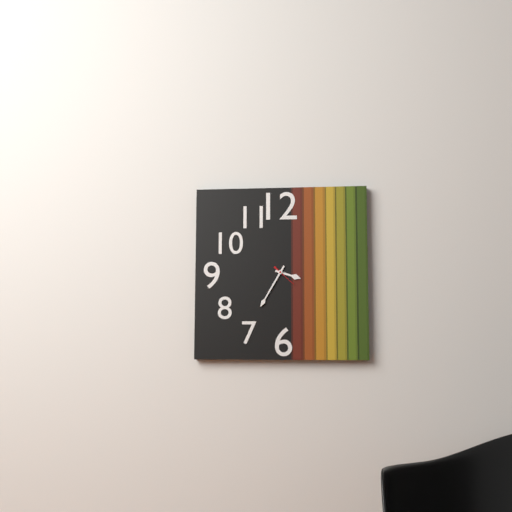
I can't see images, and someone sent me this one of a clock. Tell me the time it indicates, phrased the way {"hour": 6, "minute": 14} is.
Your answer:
{"hour": 3, "minute": 35}
